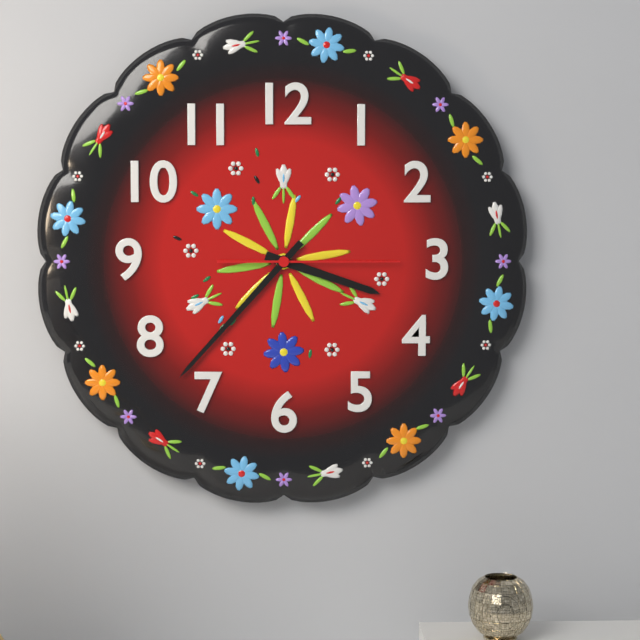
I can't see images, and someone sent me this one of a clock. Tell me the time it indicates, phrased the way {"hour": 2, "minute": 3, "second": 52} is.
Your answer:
{"hour": 3, "minute": 37, "second": 15}
